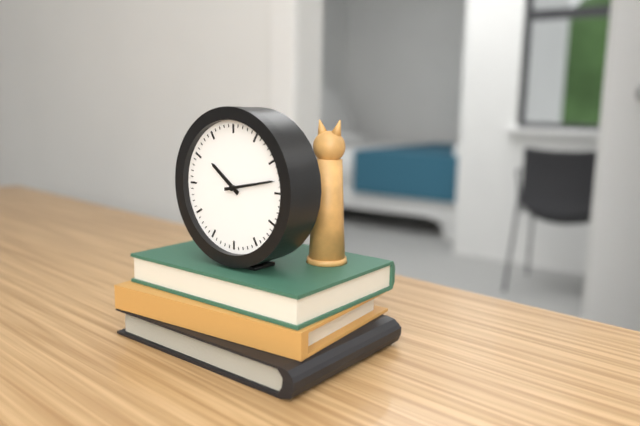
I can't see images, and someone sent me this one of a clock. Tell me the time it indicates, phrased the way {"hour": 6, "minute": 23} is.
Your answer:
{"hour": 10, "minute": 13}
